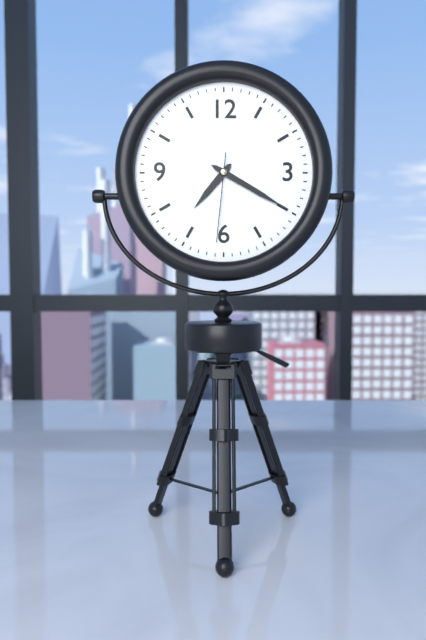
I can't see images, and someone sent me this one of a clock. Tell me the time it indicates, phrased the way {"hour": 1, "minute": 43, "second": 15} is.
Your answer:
{"hour": 7, "minute": 20, "second": 31}
